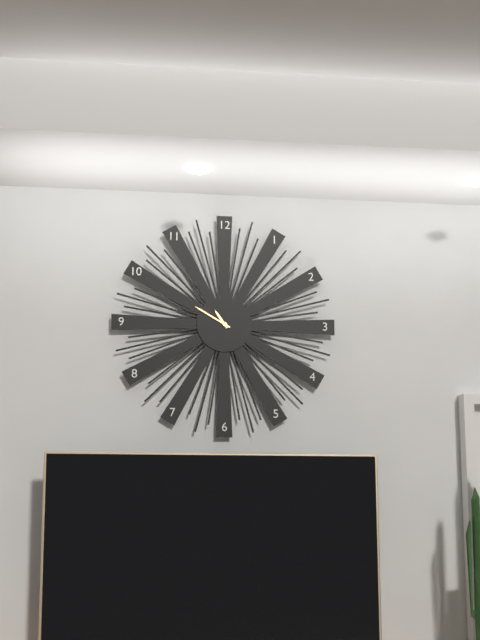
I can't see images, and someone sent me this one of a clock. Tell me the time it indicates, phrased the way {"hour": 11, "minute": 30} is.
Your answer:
{"hour": 10, "minute": 50}
